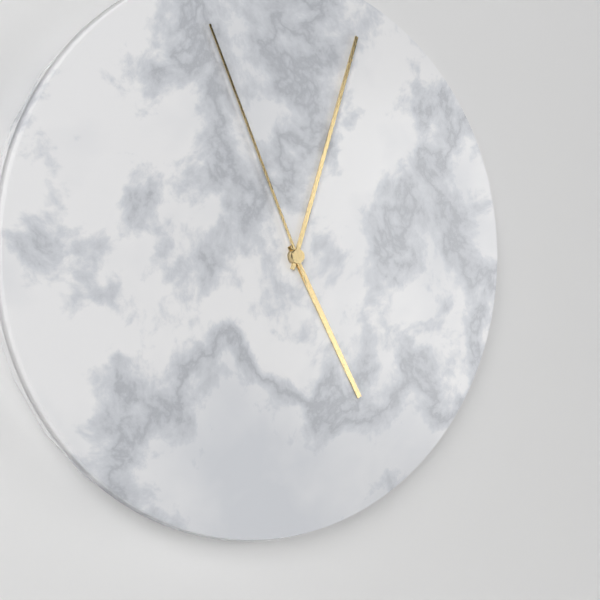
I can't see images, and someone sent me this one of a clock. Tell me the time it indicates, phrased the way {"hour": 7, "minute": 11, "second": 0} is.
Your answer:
{"hour": 5, "minute": 3, "second": 56}
